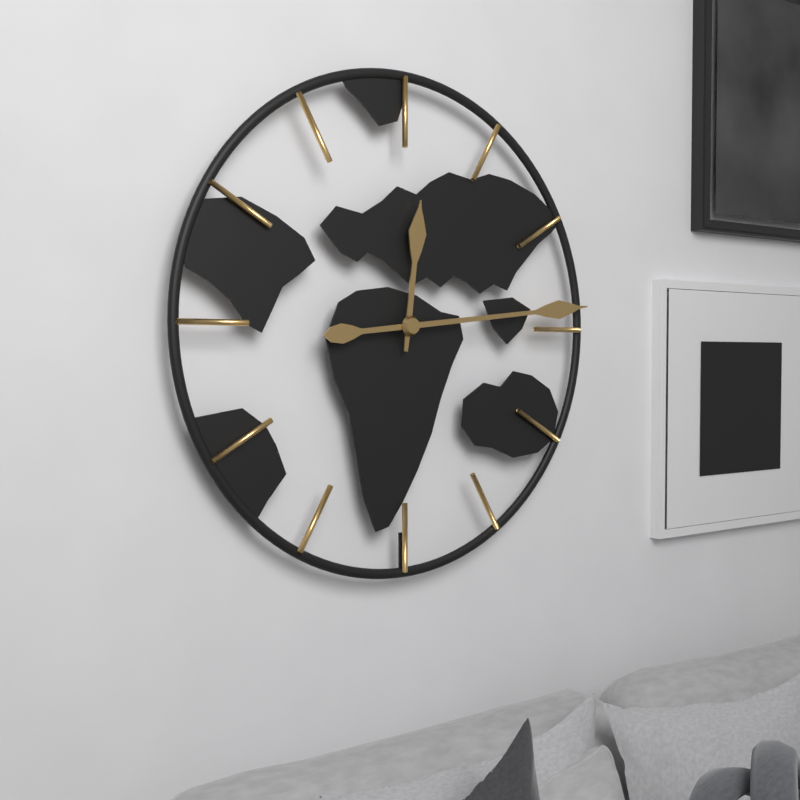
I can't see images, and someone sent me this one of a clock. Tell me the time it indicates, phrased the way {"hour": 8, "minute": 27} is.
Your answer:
{"hour": 12, "minute": 14}
